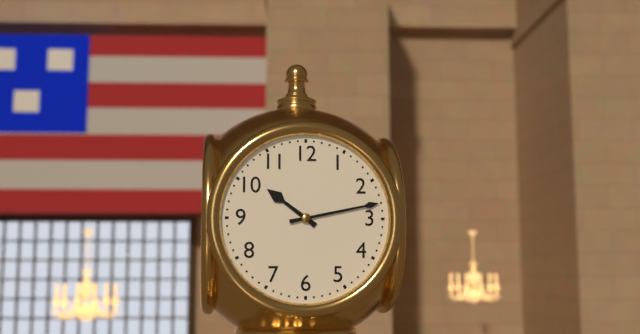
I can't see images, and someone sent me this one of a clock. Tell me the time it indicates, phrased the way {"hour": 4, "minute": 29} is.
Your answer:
{"hour": 10, "minute": 13}
